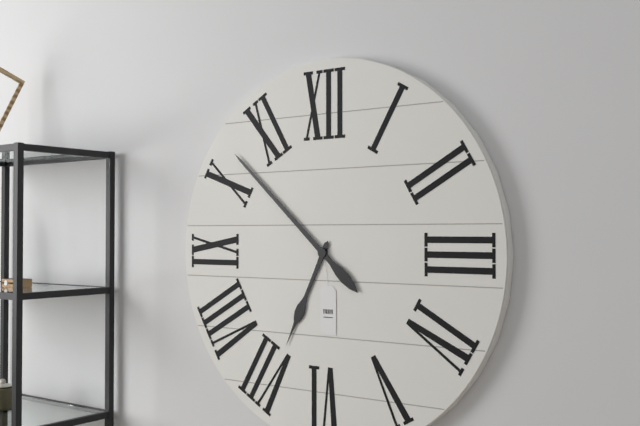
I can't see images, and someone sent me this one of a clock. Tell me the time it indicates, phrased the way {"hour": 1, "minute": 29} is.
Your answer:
{"hour": 6, "minute": 52}
